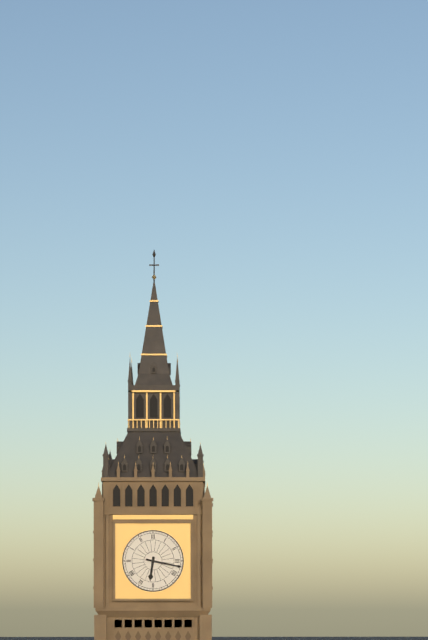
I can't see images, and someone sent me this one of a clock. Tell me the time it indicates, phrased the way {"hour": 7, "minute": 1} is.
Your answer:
{"hour": 6, "minute": 17}
